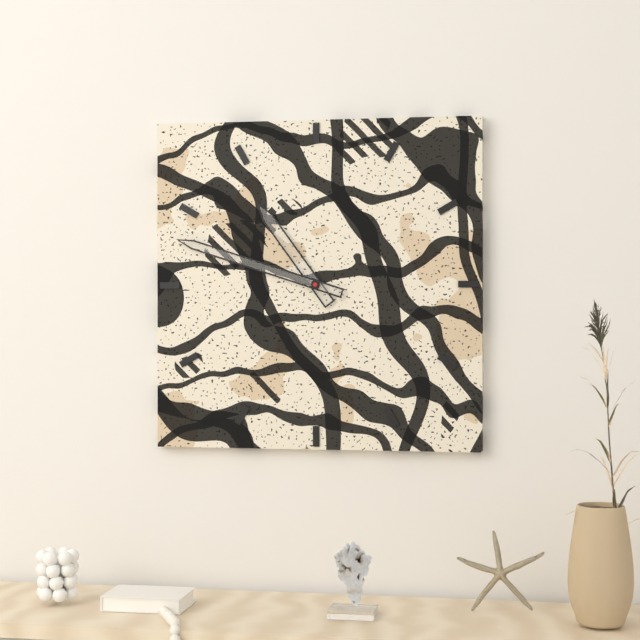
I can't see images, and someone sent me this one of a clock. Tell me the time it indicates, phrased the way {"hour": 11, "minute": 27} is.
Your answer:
{"hour": 10, "minute": 48}
